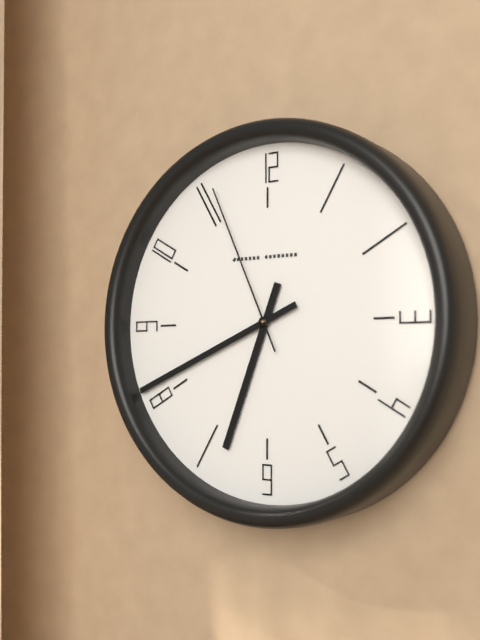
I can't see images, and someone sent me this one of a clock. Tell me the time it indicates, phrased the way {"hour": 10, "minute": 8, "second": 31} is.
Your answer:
{"hour": 6, "minute": 41, "second": 56}
